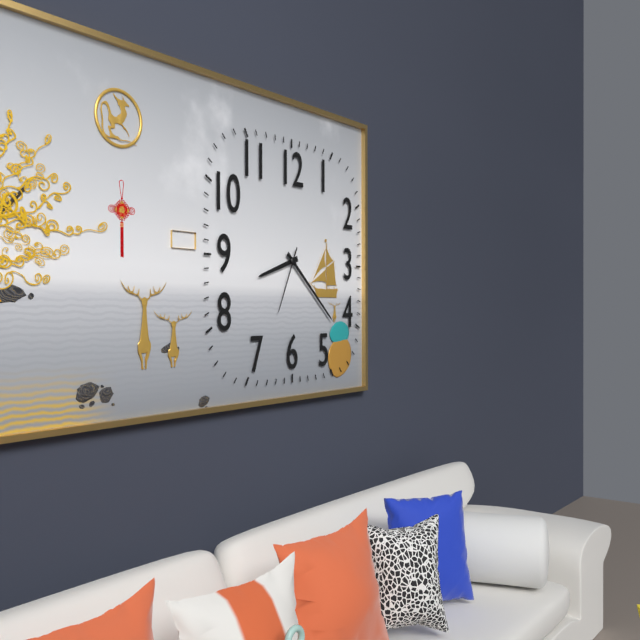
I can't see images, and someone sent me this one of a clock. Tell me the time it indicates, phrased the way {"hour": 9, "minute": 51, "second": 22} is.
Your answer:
{"hour": 8, "minute": 22, "second": 34}
